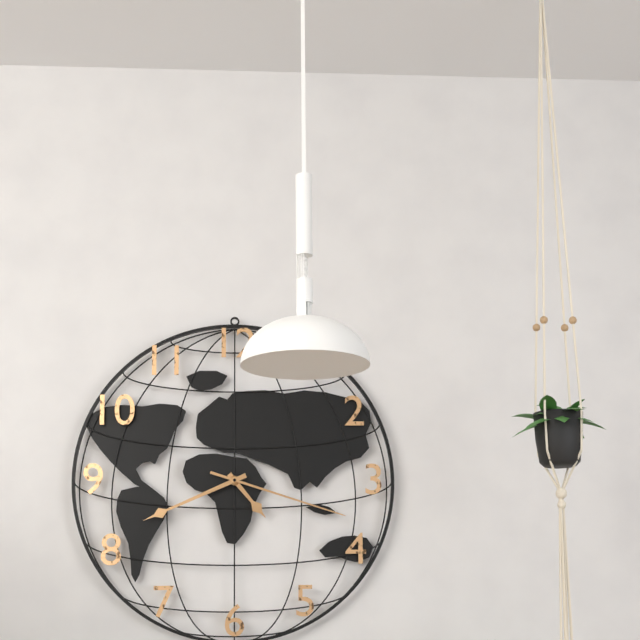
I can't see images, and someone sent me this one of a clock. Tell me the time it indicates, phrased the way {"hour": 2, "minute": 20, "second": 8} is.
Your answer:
{"hour": 4, "minute": 41, "second": 18}
